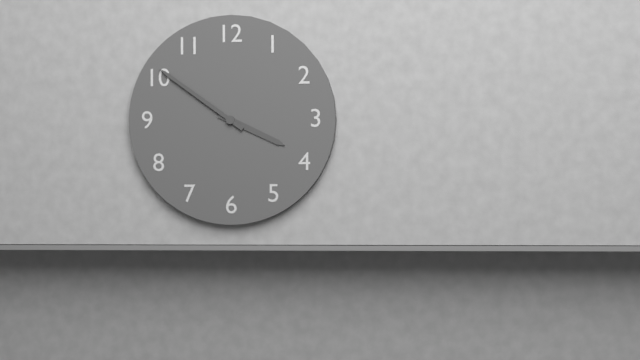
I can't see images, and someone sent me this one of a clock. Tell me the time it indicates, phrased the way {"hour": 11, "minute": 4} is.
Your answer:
{"hour": 3, "minute": 51}
